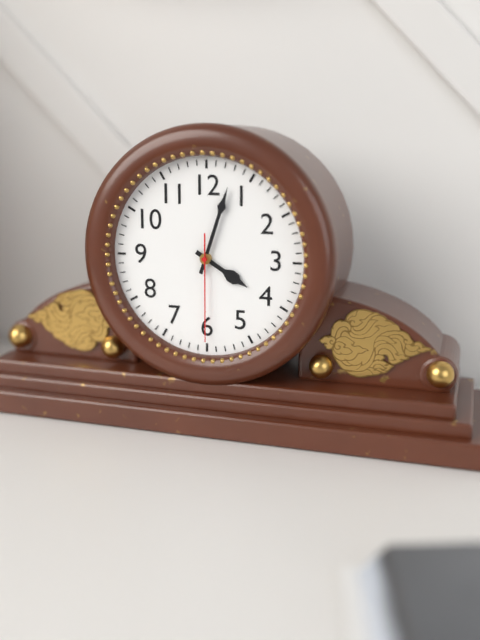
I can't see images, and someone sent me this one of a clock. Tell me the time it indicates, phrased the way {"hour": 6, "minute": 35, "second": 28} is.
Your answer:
{"hour": 4, "minute": 3, "second": 30}
